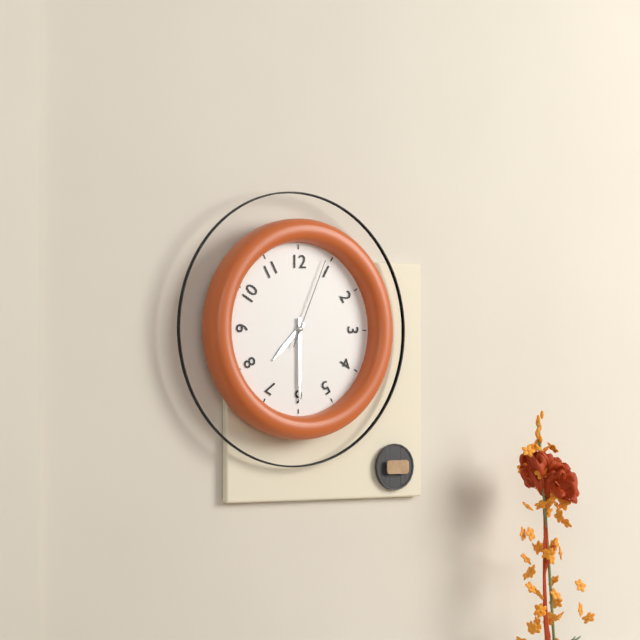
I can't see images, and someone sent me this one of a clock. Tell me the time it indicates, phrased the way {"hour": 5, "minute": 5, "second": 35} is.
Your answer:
{"hour": 7, "minute": 30, "second": 4}
